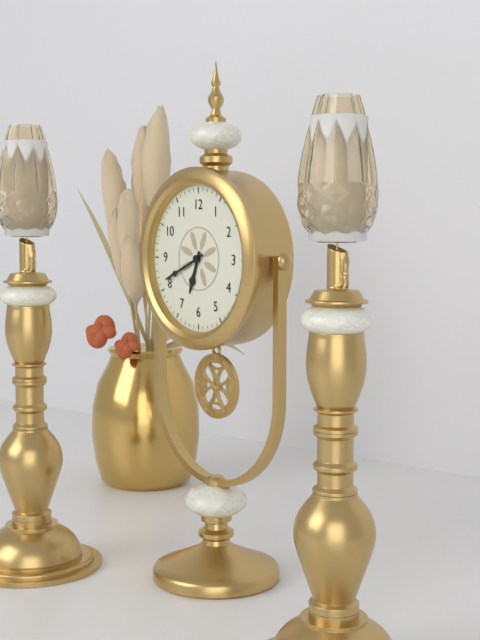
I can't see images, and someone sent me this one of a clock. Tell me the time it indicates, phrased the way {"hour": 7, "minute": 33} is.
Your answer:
{"hour": 6, "minute": 41}
